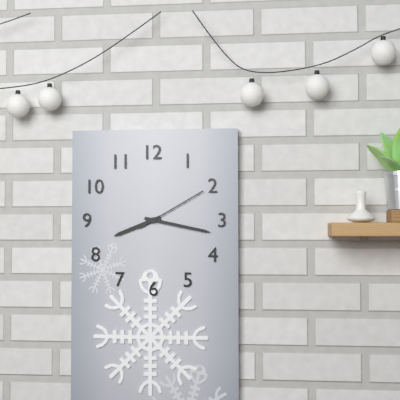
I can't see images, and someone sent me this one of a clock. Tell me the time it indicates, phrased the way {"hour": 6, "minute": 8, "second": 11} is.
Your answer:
{"hour": 8, "minute": 17, "second": 10}
